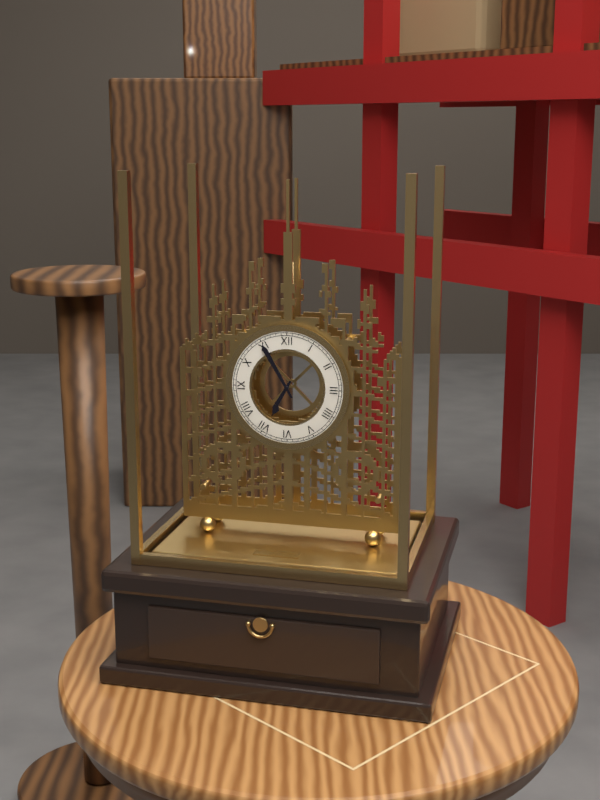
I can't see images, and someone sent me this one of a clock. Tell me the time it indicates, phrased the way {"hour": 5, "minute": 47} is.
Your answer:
{"hour": 6, "minute": 55}
